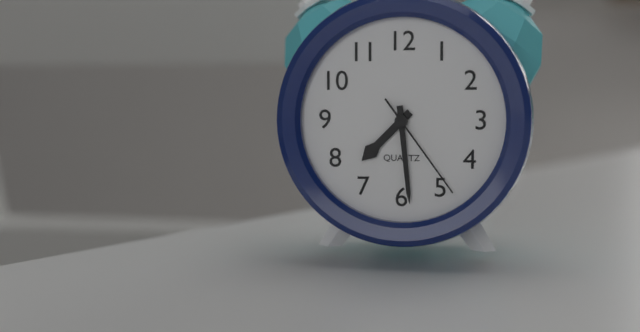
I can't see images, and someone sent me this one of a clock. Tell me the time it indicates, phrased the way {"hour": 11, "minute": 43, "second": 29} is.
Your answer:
{"hour": 7, "minute": 29, "second": 24}
